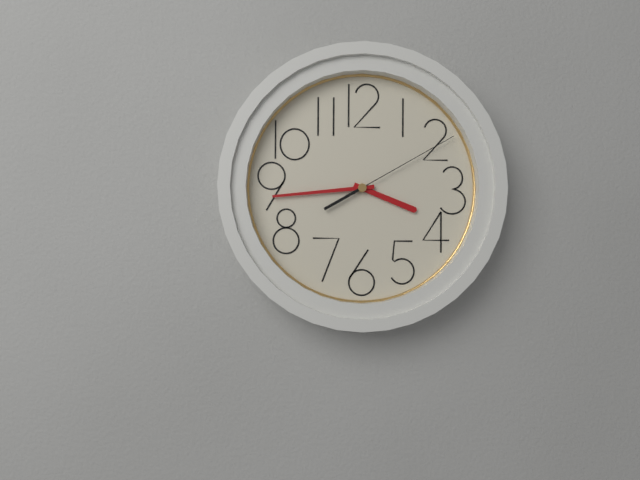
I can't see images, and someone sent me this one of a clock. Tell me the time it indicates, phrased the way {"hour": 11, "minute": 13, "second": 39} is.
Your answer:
{"hour": 3, "minute": 44, "second": 10}
